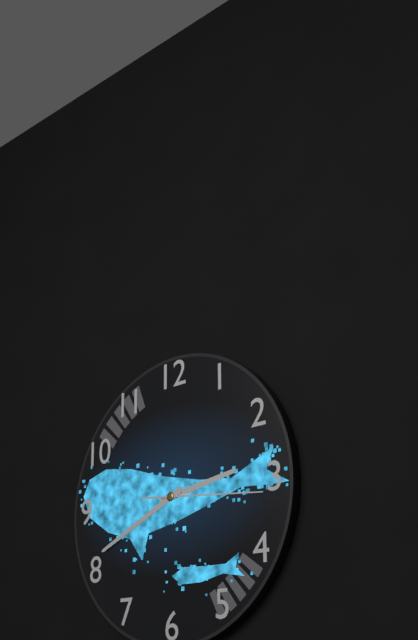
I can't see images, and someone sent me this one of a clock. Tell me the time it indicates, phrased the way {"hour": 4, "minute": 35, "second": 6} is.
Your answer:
{"hour": 2, "minute": 41, "second": 16}
